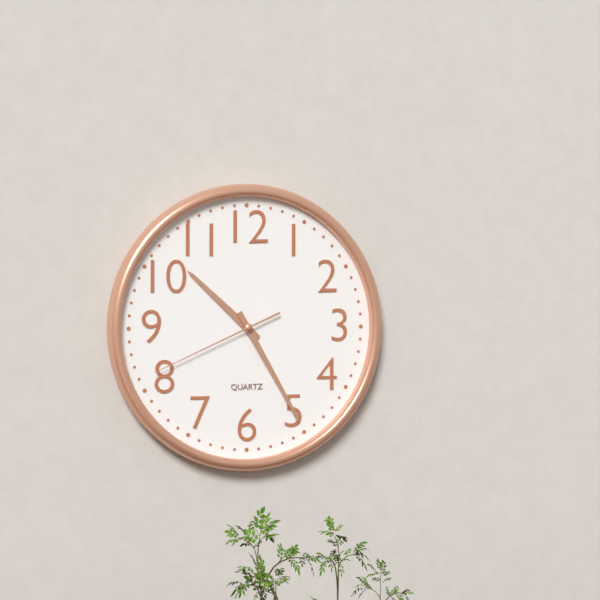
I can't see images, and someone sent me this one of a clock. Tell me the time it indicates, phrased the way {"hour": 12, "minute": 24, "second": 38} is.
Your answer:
{"hour": 10, "minute": 25, "second": 41}
